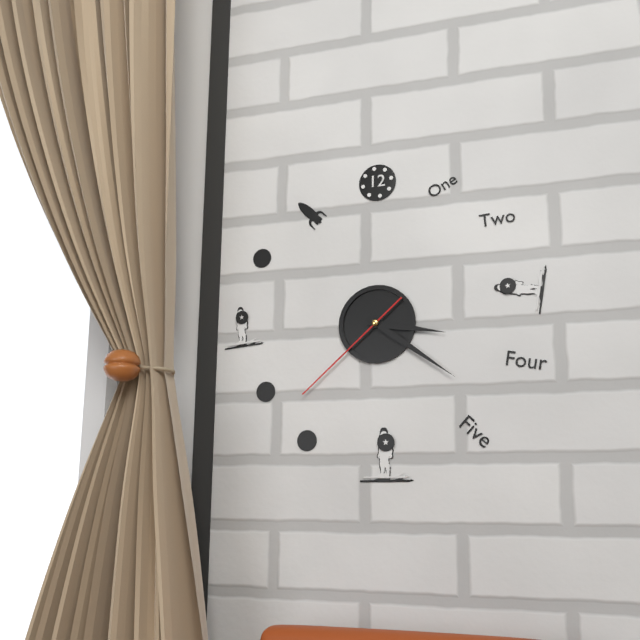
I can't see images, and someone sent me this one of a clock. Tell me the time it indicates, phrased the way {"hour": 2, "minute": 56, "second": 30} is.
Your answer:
{"hour": 3, "minute": 21, "second": 38}
